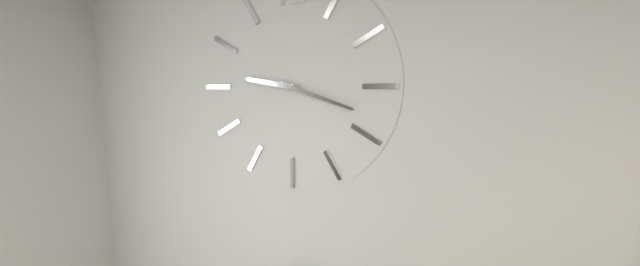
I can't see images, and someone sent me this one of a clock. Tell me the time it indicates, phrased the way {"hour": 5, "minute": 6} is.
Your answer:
{"hour": 9, "minute": 18}
